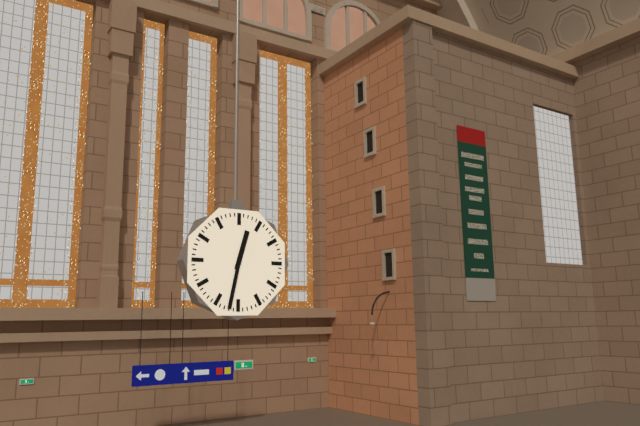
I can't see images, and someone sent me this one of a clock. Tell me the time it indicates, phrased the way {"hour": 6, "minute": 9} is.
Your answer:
{"hour": 12, "minute": 32}
